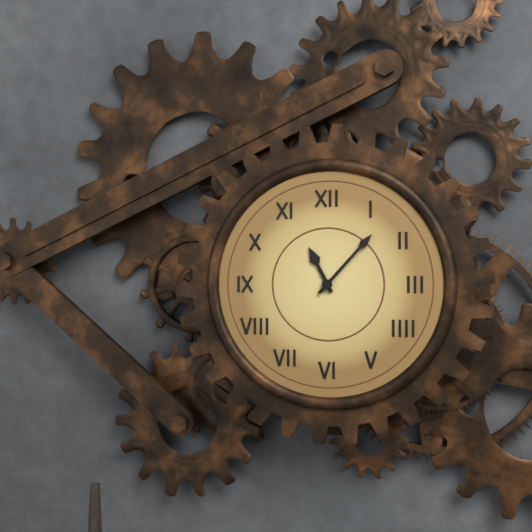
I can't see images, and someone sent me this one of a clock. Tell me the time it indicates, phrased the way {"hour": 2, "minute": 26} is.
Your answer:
{"hour": 11, "minute": 7}
